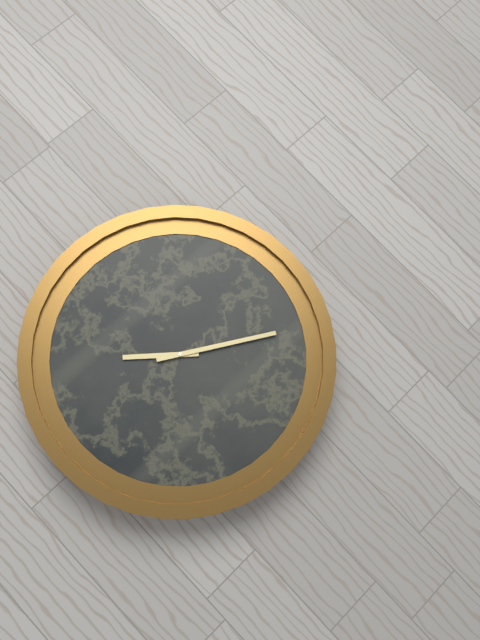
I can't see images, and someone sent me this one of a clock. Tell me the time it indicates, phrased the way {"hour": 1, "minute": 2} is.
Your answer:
{"hour": 10, "minute": 20}
